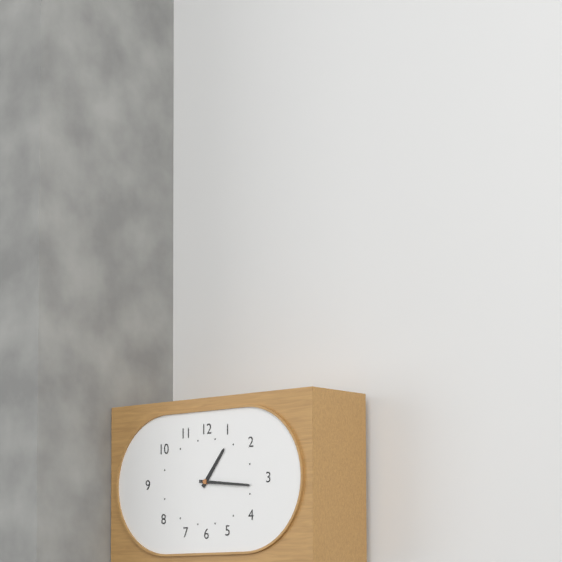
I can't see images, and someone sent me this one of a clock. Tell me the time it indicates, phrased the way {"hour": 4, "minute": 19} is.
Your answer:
{"hour": 1, "minute": 16}
